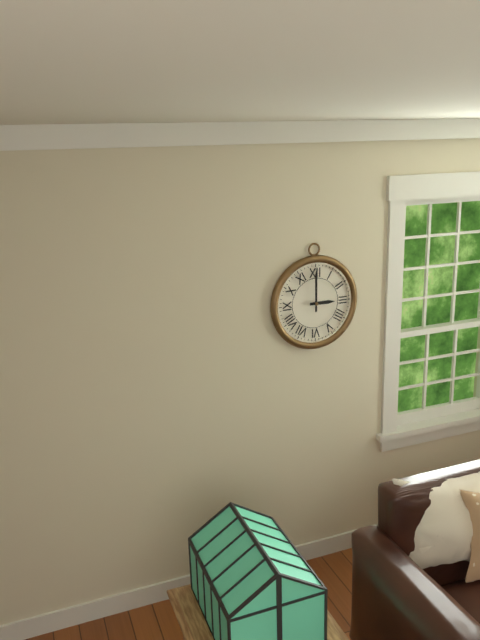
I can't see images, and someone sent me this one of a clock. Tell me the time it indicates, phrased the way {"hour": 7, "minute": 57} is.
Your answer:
{"hour": 3, "minute": 0}
